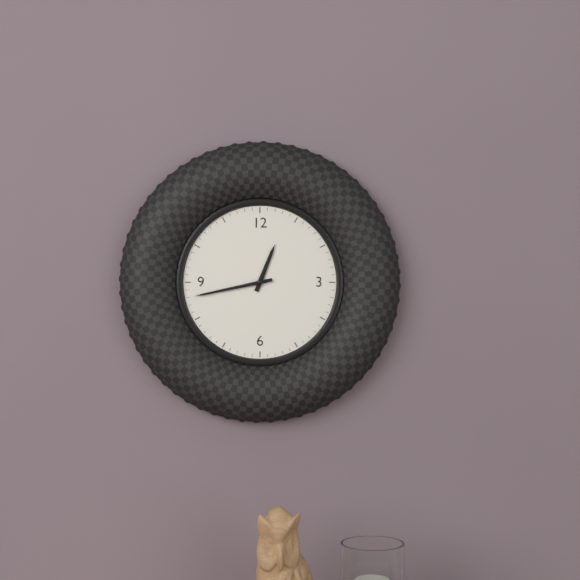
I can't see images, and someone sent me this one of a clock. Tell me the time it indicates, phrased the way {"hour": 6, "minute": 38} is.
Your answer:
{"hour": 12, "minute": 43}
